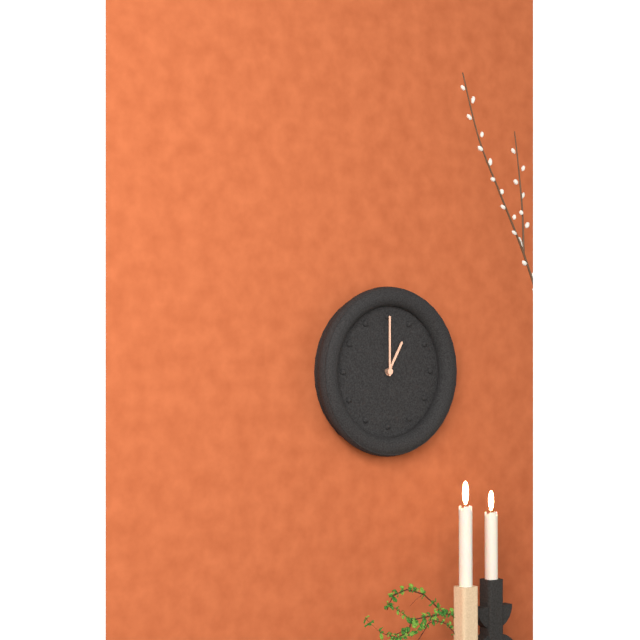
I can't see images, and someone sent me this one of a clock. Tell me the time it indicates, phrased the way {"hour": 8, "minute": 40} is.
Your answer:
{"hour": 1, "minute": 0}
